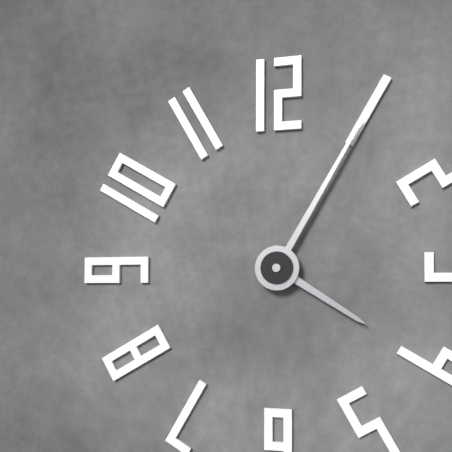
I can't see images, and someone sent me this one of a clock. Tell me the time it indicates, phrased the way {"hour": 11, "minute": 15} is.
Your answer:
{"hour": 4, "minute": 5}
